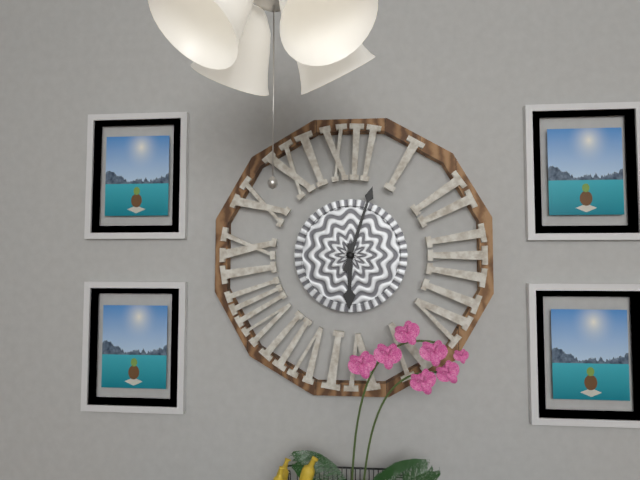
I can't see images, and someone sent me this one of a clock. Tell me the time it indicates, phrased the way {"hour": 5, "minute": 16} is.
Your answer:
{"hour": 6, "minute": 3}
